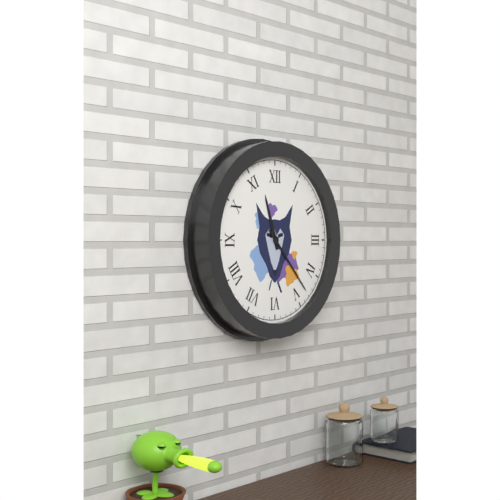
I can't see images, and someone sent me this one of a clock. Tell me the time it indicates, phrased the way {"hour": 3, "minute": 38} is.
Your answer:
{"hour": 11, "minute": 23}
